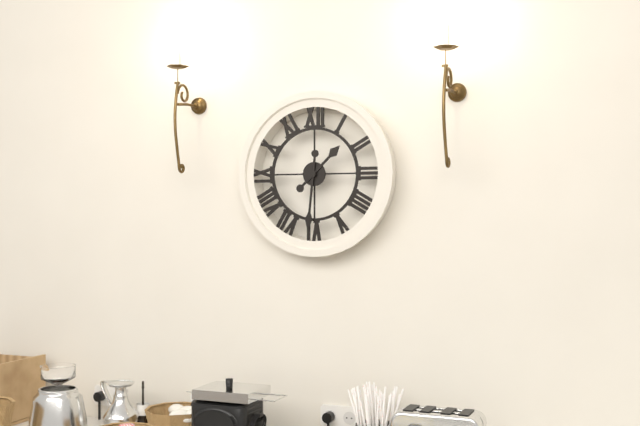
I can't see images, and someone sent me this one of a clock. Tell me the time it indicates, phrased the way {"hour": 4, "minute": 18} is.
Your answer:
{"hour": 1, "minute": 31}
